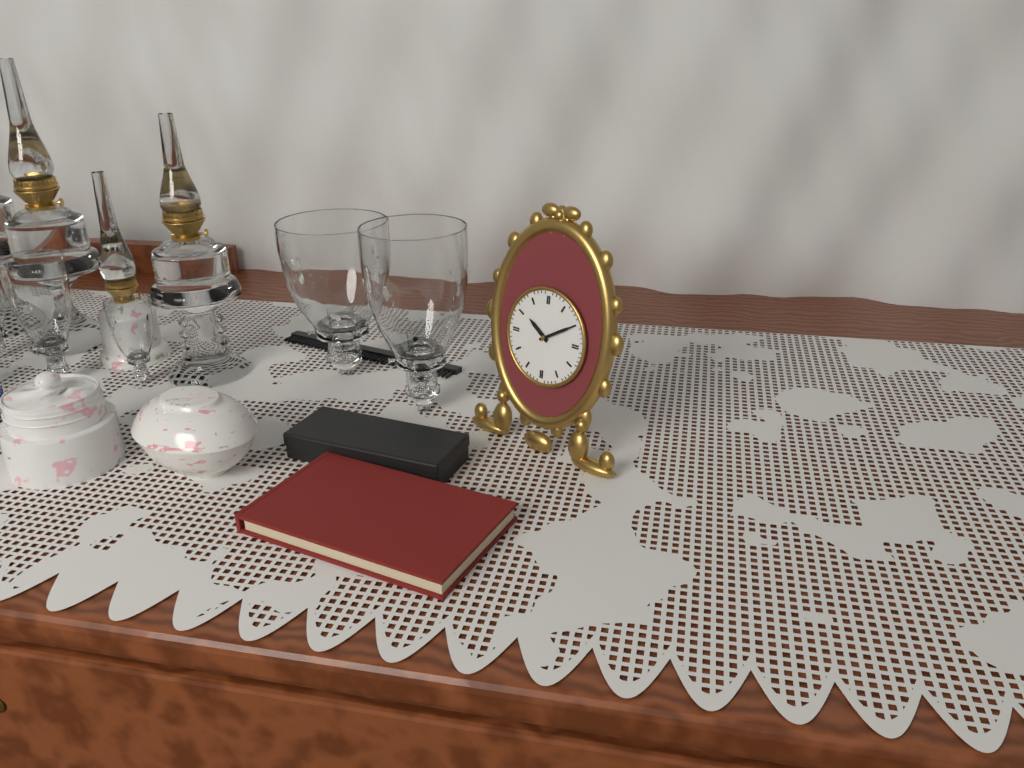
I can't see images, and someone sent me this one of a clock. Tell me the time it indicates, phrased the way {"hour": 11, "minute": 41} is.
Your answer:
{"hour": 10, "minute": 10}
